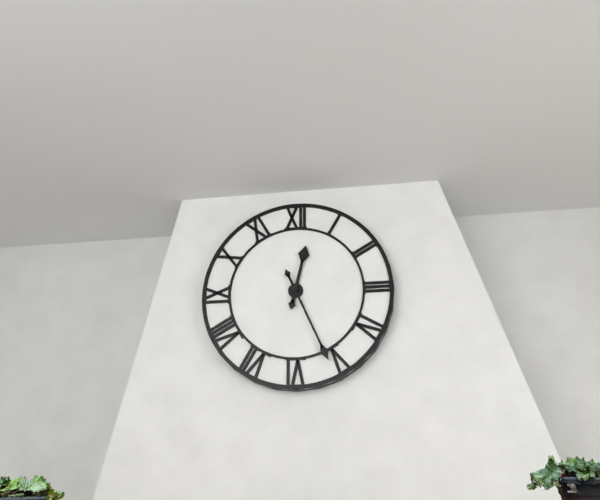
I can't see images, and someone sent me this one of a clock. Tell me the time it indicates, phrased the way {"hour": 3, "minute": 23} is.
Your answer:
{"hour": 12, "minute": 26}
